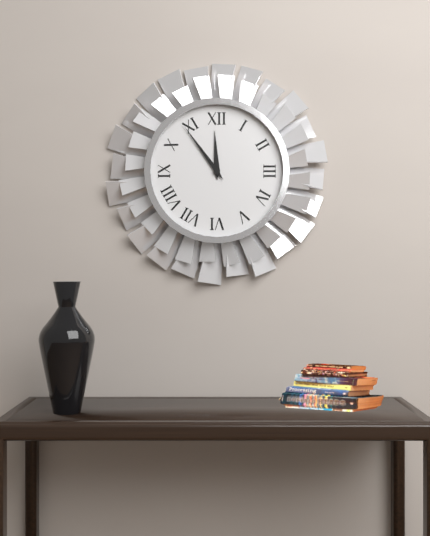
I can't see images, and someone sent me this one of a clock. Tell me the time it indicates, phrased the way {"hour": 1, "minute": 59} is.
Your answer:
{"hour": 11, "minute": 54}
